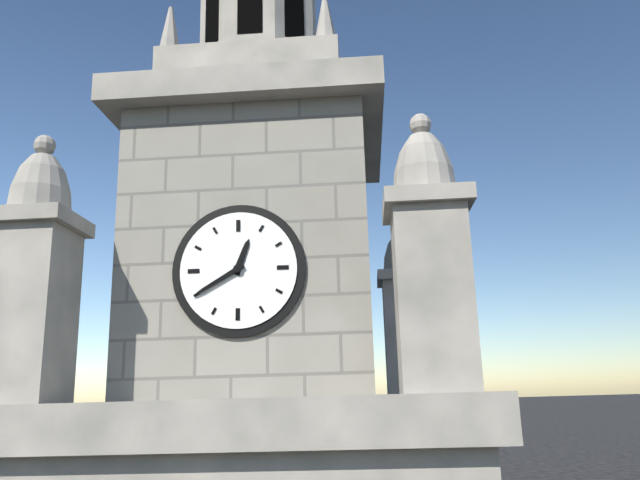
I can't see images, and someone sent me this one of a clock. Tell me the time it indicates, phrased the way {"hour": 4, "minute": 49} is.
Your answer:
{"hour": 12, "minute": 40}
